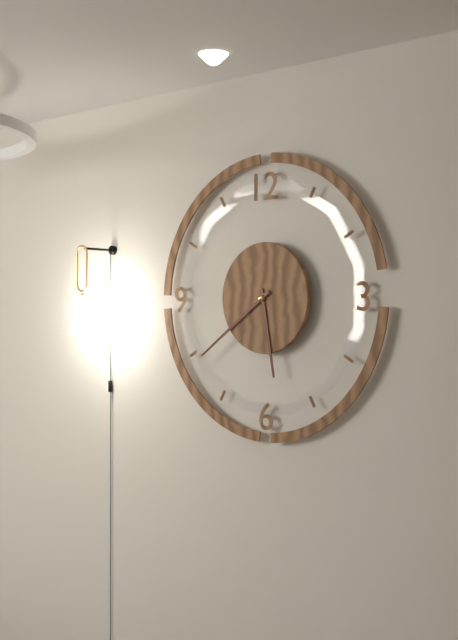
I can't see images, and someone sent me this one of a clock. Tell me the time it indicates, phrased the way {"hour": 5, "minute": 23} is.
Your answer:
{"hour": 5, "minute": 39}
